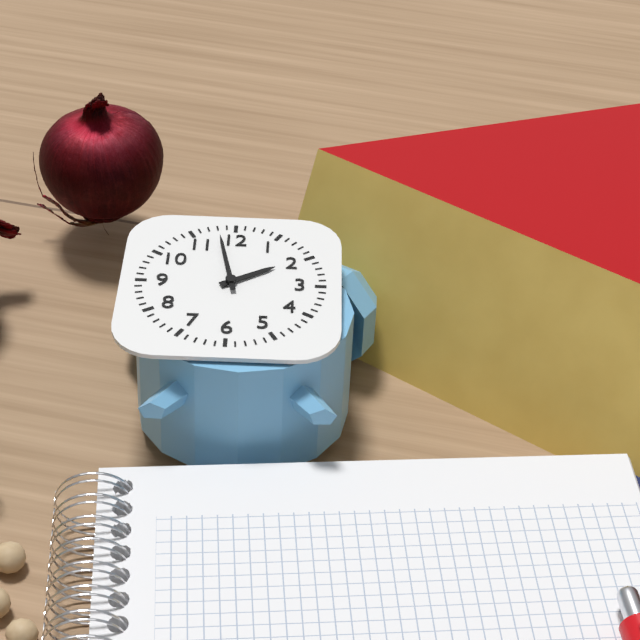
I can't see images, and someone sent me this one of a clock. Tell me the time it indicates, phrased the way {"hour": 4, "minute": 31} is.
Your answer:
{"hour": 1, "minute": 58}
